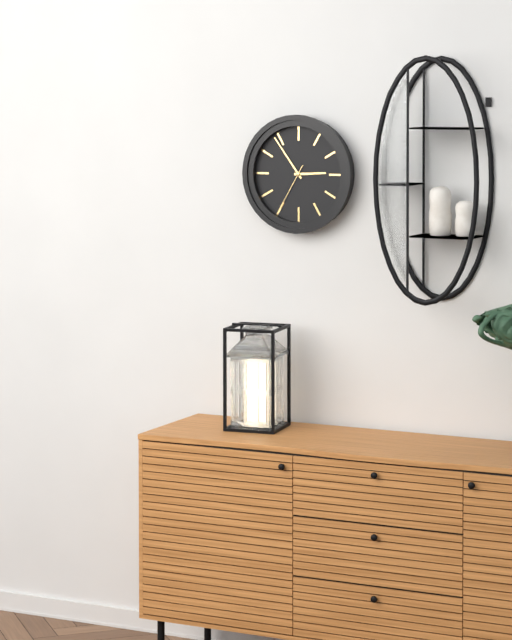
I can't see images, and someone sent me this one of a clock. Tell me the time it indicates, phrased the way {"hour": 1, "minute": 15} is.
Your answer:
{"hour": 2, "minute": 54}
